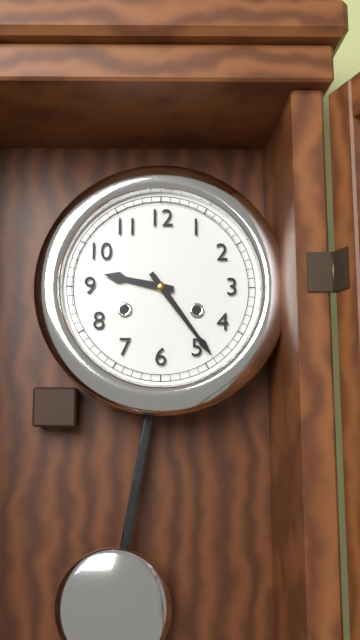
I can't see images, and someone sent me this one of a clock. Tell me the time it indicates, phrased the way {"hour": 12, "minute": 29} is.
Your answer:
{"hour": 9, "minute": 24}
